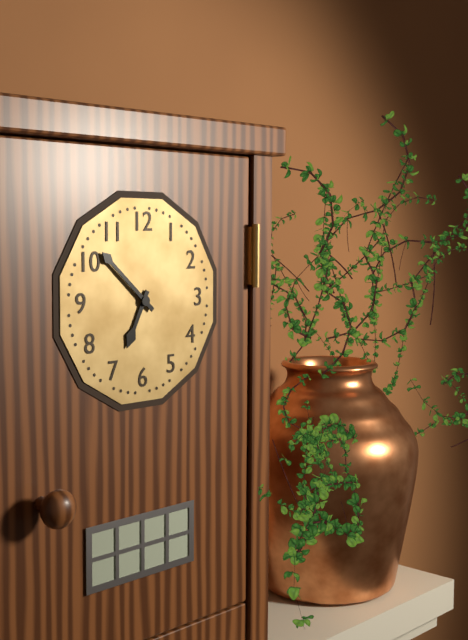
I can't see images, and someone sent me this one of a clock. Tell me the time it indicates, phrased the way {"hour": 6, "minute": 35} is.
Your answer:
{"hour": 6, "minute": 52}
